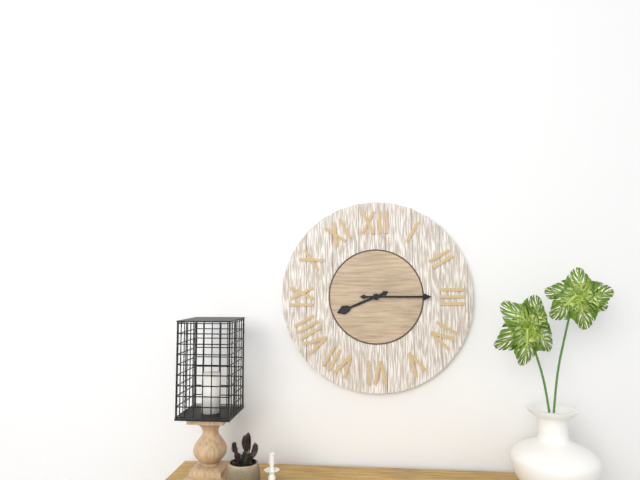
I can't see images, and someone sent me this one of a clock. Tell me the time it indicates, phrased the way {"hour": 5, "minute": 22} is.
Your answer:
{"hour": 8, "minute": 15}
